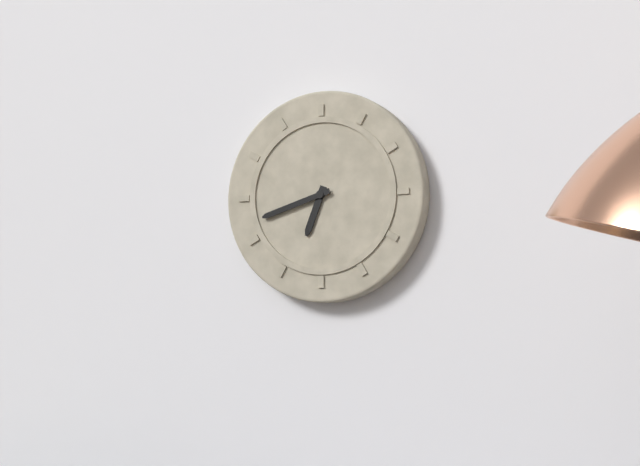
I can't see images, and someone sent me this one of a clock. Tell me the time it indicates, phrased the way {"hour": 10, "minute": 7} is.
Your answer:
{"hour": 6, "minute": 42}
